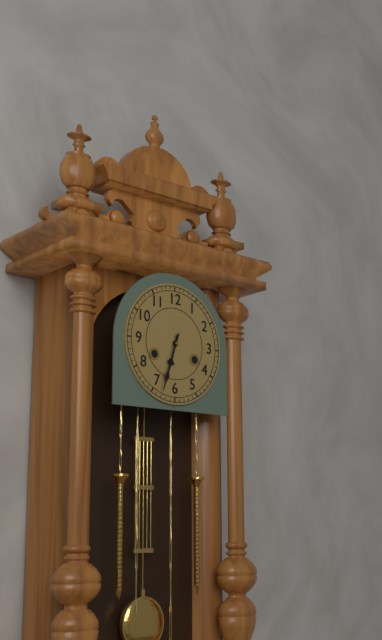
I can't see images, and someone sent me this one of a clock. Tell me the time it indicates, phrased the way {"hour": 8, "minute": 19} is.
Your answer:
{"hour": 6, "minute": 33}
